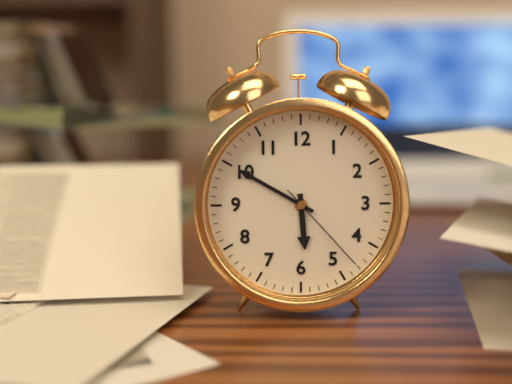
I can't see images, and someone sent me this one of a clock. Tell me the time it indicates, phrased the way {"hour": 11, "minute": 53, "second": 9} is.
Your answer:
{"hour": 5, "minute": 50, "second": 23}
